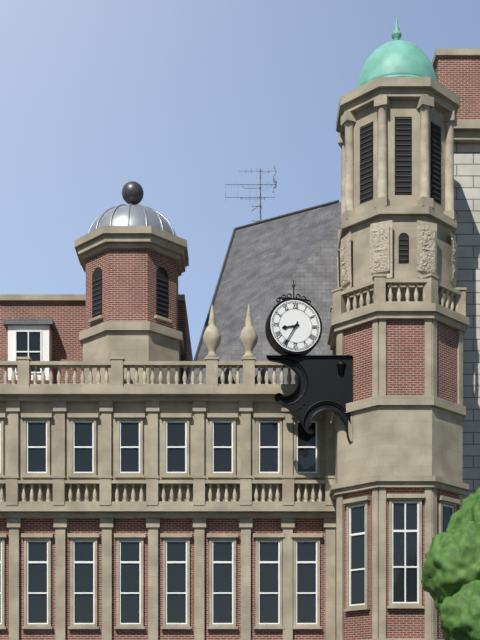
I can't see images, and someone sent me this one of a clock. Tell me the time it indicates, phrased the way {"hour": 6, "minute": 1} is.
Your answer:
{"hour": 8, "minute": 35}
